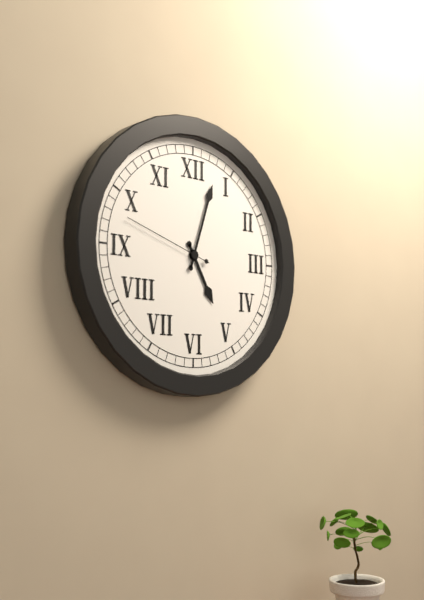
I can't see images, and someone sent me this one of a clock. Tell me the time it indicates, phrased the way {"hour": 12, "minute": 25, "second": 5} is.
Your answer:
{"hour": 5, "minute": 3, "second": 48}
